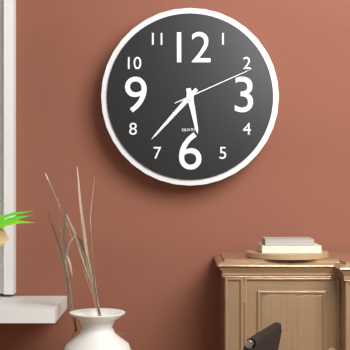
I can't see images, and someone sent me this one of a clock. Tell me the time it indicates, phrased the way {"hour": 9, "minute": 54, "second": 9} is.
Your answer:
{"hour": 5, "minute": 37, "second": 11}
